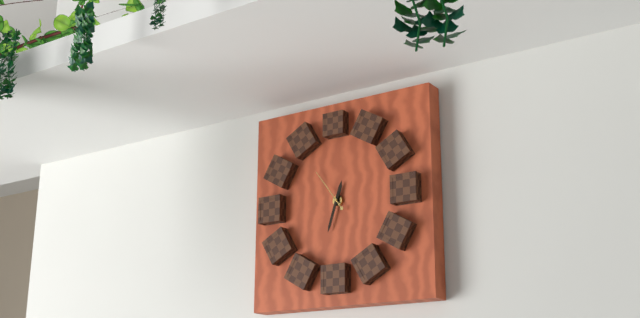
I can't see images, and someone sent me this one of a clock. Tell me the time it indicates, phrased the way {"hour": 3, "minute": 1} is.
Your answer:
{"hour": 12, "minute": 33}
